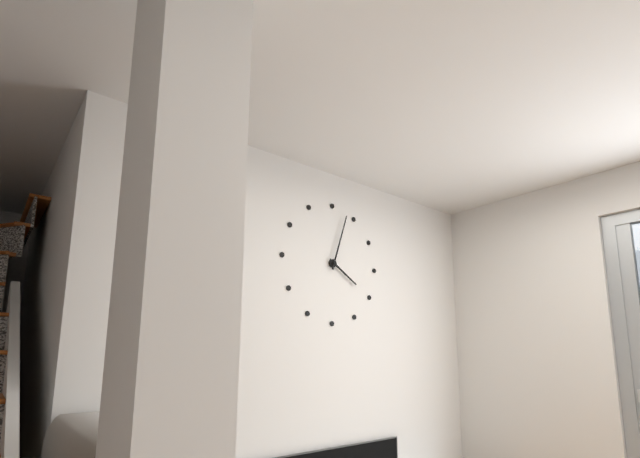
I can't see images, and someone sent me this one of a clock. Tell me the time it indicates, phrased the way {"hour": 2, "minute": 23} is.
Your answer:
{"hour": 4, "minute": 3}
